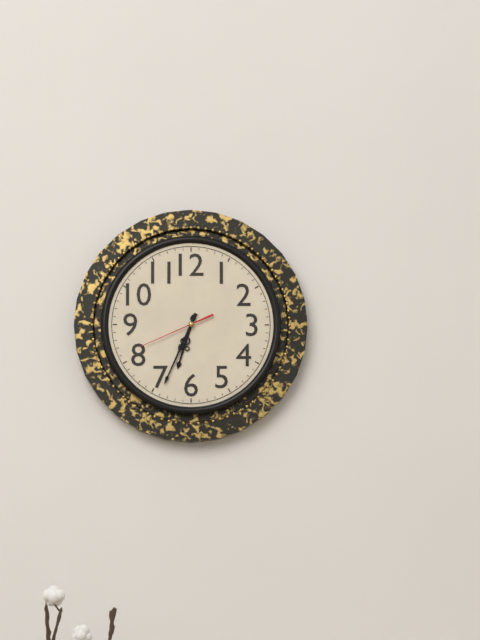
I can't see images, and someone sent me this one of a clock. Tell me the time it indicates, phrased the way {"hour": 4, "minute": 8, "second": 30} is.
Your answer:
{"hour": 6, "minute": 34, "second": 41}
